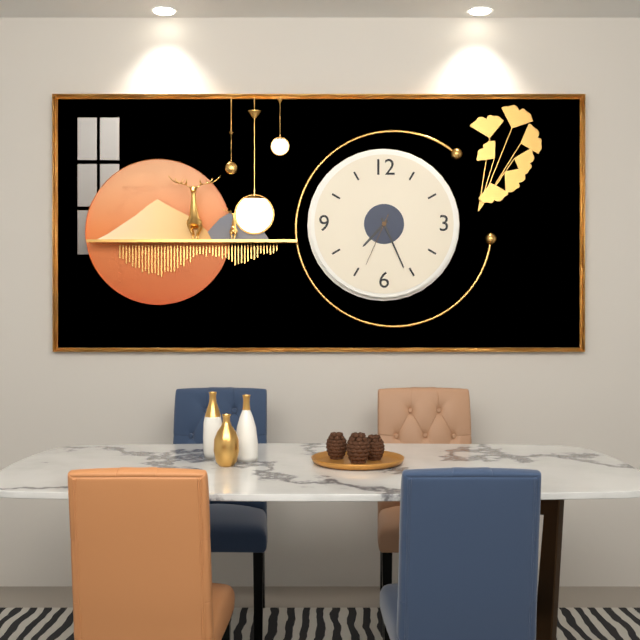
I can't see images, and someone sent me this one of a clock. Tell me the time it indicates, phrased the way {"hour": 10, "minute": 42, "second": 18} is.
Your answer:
{"hour": 7, "minute": 26, "second": 34}
